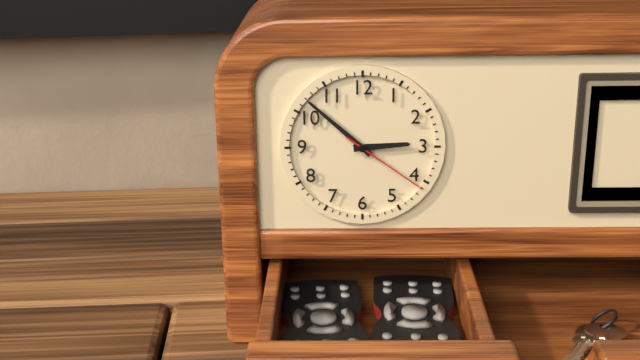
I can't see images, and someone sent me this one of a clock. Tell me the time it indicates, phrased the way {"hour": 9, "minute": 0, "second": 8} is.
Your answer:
{"hour": 2, "minute": 52, "second": 21}
